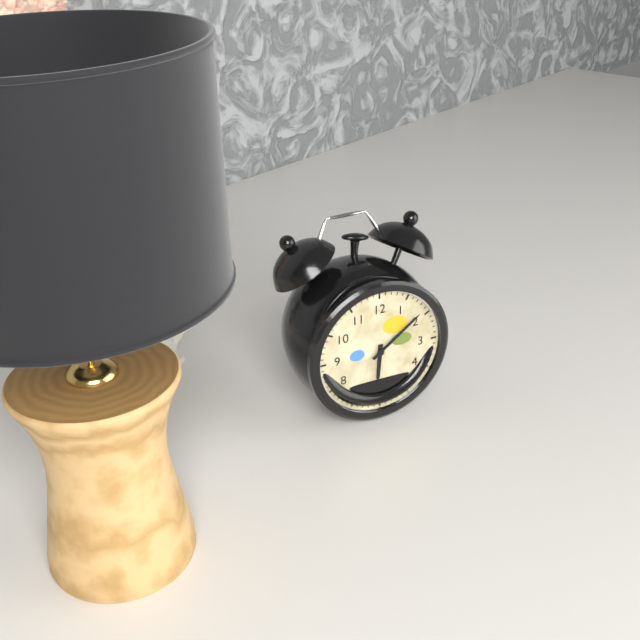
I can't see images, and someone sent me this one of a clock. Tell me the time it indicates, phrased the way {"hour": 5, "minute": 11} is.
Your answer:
{"hour": 6, "minute": 9}
